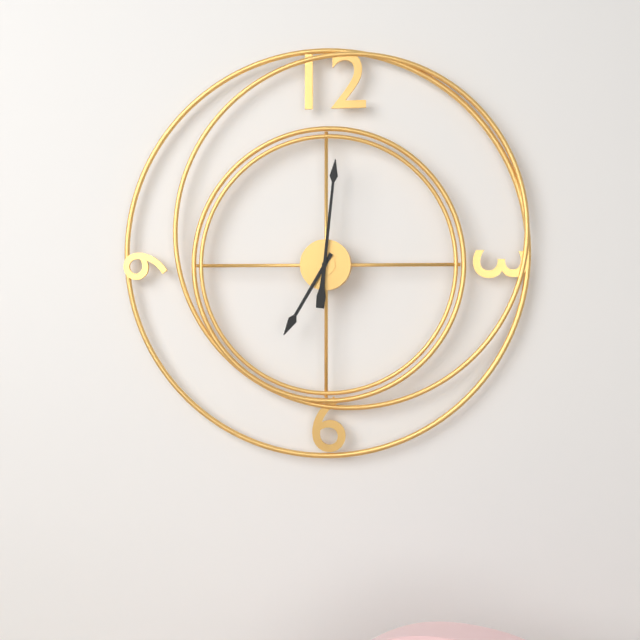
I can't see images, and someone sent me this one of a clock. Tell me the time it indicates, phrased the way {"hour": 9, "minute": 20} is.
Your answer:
{"hour": 7, "minute": 1}
